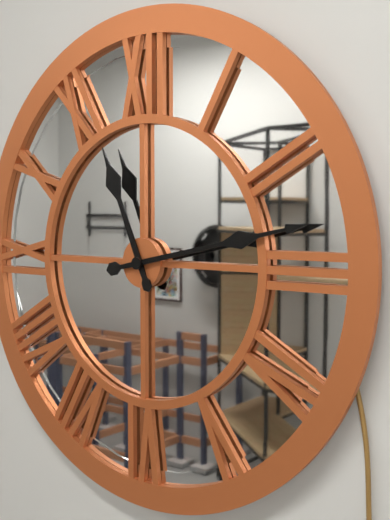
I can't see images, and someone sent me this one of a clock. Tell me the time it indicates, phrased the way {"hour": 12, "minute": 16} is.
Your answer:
{"hour": 11, "minute": 13}
